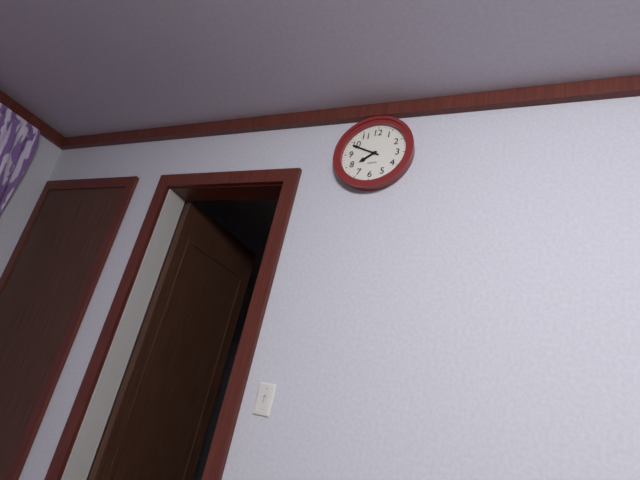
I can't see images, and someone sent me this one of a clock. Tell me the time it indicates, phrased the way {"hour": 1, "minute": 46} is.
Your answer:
{"hour": 7, "minute": 49}
